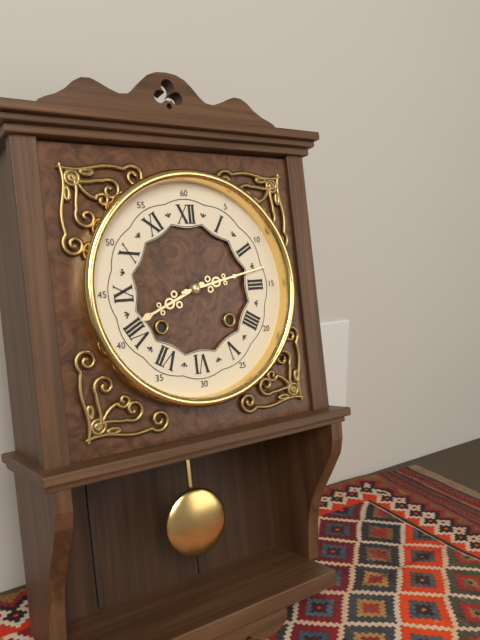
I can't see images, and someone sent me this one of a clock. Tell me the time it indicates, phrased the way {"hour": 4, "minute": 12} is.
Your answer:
{"hour": 8, "minute": 13}
